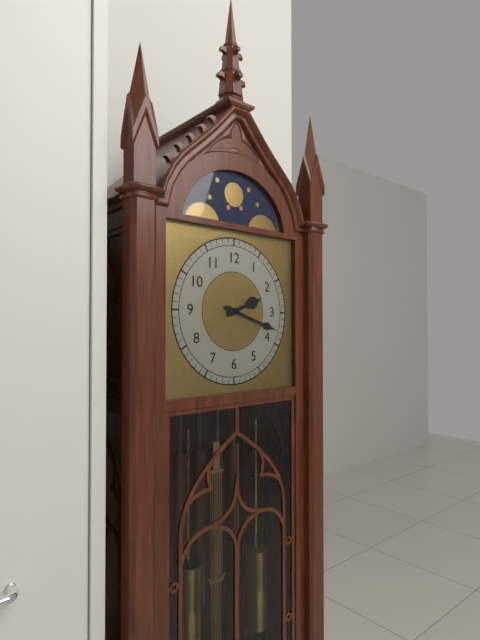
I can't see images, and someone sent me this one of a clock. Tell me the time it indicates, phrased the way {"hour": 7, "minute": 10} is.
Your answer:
{"hour": 2, "minute": 18}
